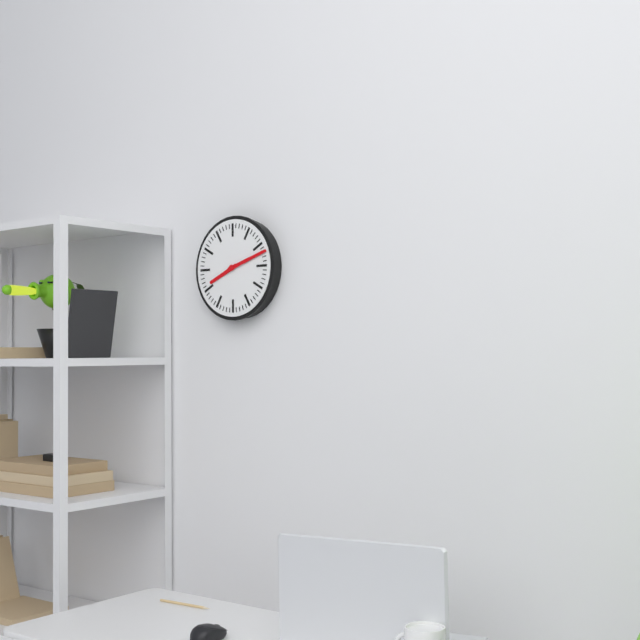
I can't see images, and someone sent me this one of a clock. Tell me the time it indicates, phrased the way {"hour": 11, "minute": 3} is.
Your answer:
{"hour": 8, "minute": 12}
